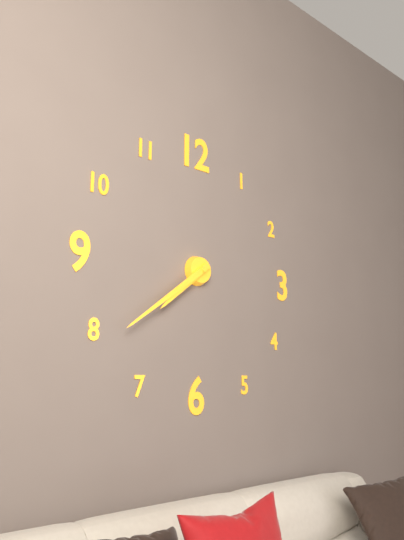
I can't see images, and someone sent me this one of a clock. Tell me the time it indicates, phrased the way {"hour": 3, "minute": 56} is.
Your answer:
{"hour": 7, "minute": 39}
